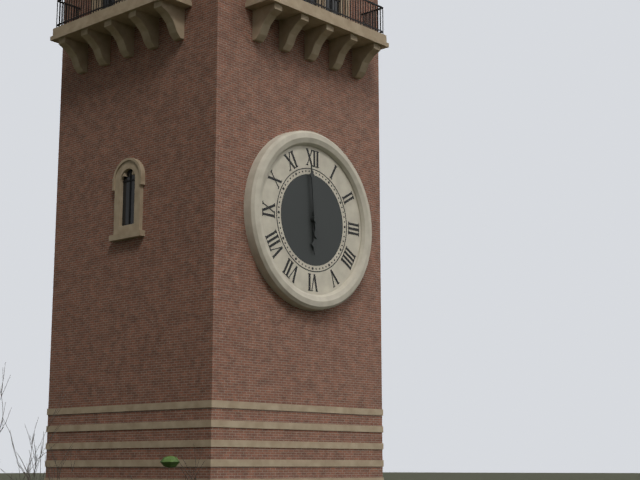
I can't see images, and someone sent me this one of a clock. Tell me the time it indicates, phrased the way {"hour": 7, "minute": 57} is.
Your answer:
{"hour": 5, "minute": 59}
